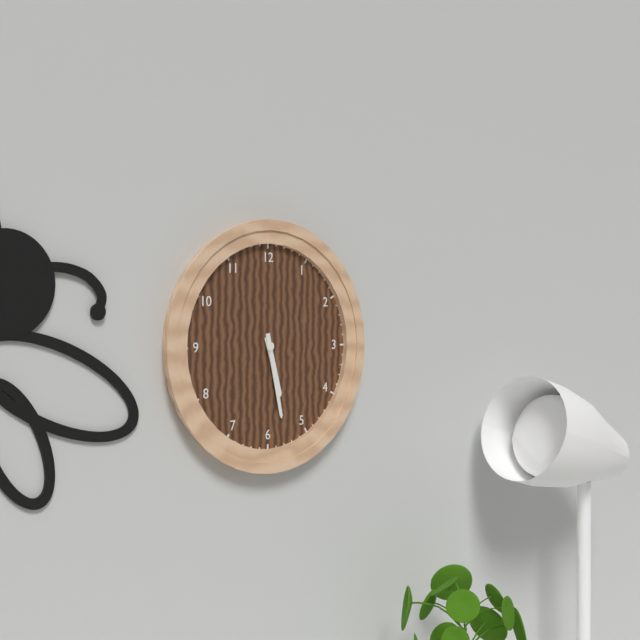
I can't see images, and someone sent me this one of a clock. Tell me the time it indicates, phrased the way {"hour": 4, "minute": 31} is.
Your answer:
{"hour": 5, "minute": 28}
